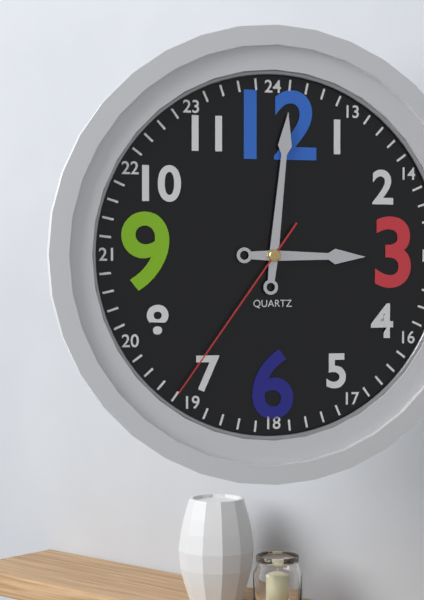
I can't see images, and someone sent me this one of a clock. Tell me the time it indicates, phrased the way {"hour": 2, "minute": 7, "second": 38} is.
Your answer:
{"hour": 3, "minute": 1, "second": 36}
